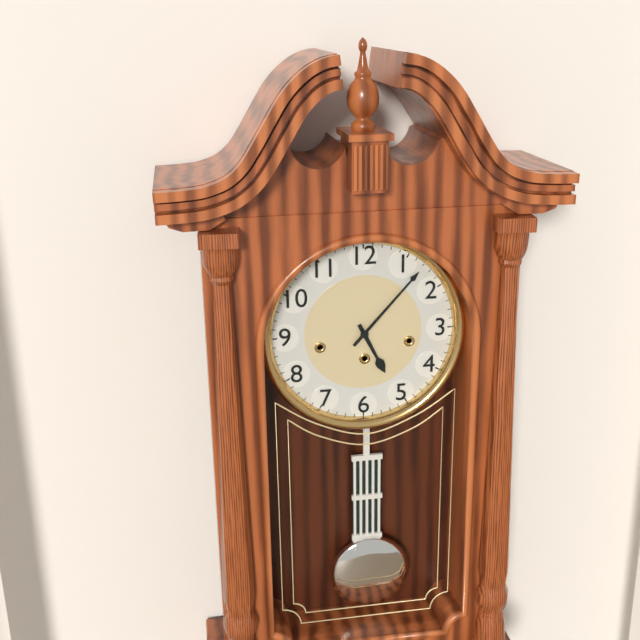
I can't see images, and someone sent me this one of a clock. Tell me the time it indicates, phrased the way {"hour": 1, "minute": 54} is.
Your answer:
{"hour": 5, "minute": 7}
